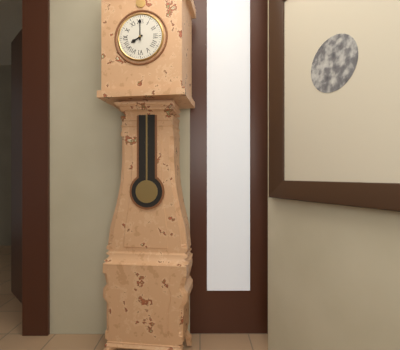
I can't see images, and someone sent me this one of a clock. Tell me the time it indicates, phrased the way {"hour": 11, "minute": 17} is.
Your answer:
{"hour": 8, "minute": 0}
